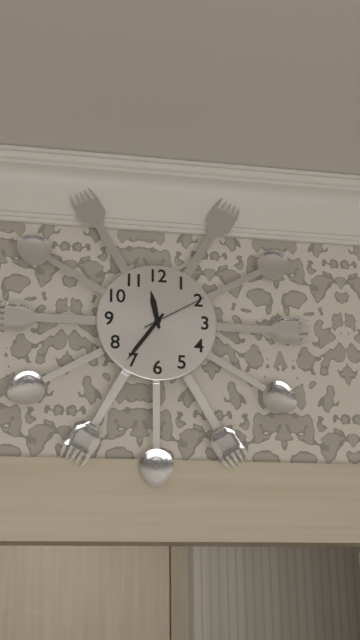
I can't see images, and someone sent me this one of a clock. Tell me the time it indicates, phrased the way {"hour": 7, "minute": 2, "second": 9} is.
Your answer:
{"hour": 11, "minute": 36, "second": 10}
